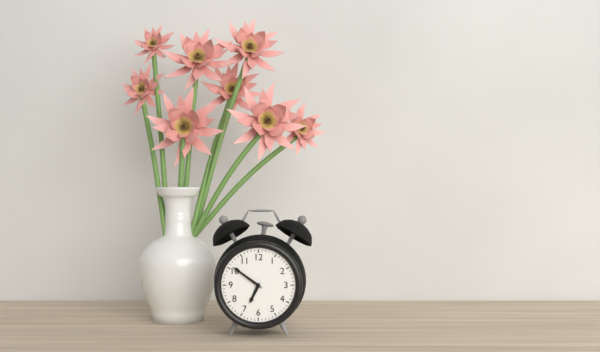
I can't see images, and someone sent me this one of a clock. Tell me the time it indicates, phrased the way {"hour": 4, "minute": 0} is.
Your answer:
{"hour": 6, "minute": 51}
